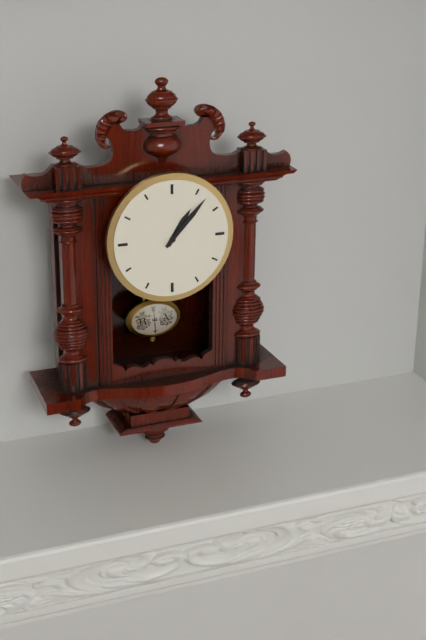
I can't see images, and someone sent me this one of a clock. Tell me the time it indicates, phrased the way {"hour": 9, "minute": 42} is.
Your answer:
{"hour": 1, "minute": 7}
